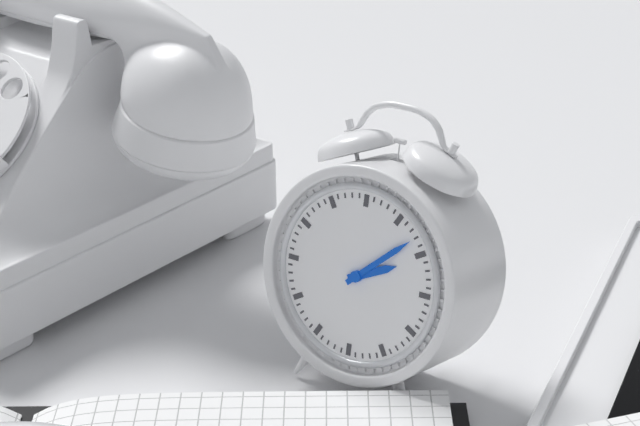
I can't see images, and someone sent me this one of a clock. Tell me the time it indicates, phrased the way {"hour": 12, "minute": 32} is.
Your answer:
{"hour": 2, "minute": 8}
